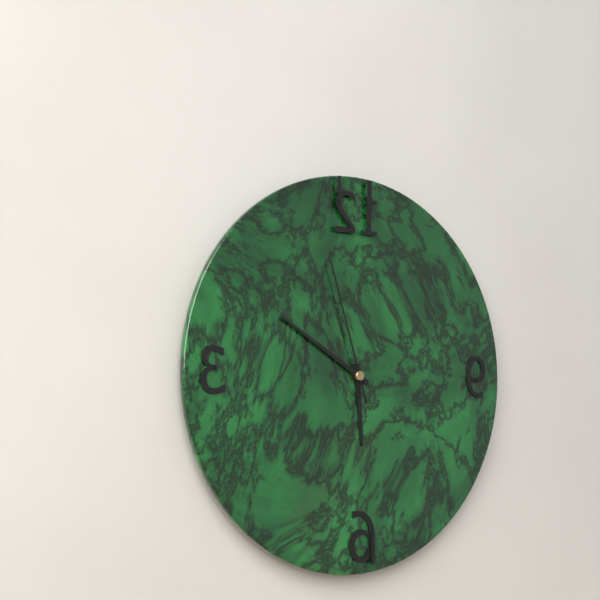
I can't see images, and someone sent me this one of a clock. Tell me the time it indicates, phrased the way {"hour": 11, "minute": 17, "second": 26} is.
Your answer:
{"hour": 5, "minute": 50, "second": 57}
